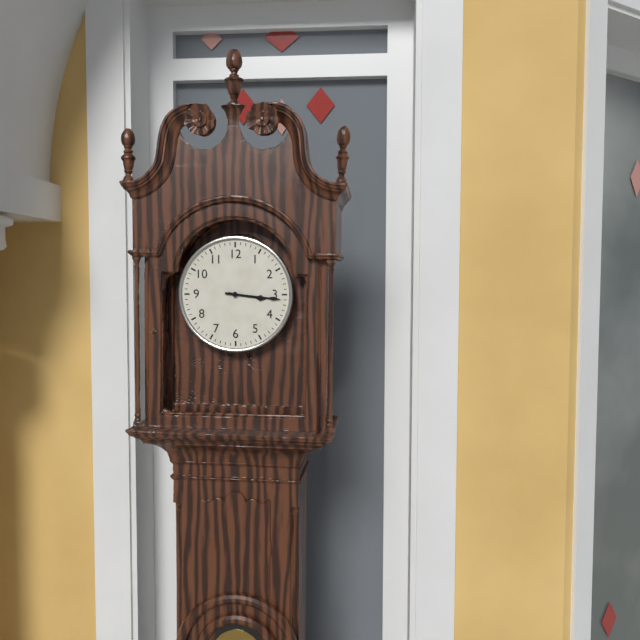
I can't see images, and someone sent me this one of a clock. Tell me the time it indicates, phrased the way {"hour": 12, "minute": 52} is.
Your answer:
{"hour": 3, "minute": 16}
